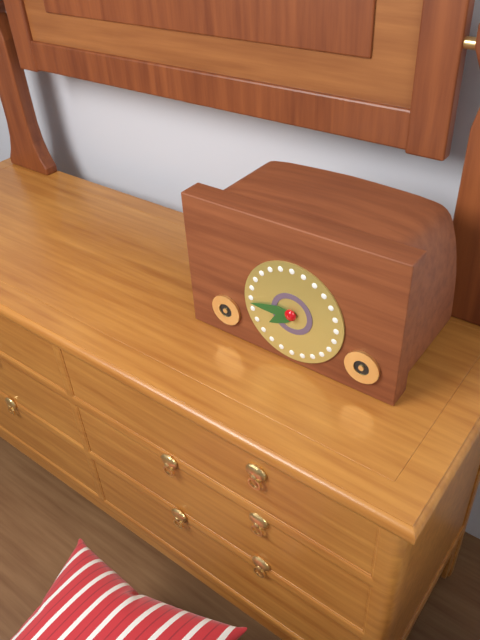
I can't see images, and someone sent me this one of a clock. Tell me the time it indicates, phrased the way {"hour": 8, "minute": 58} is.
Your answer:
{"hour": 7, "minute": 44}
